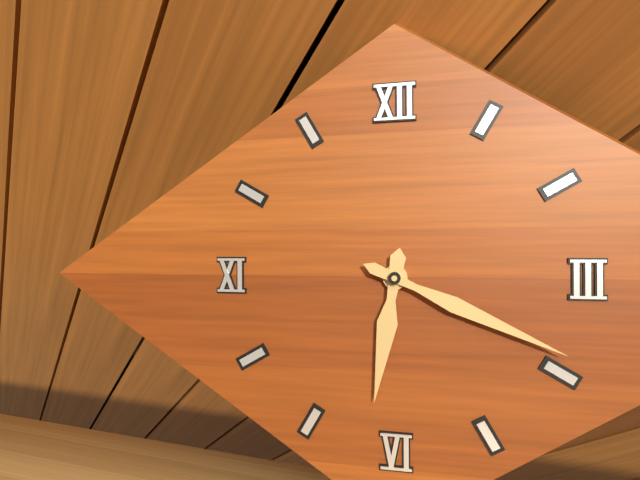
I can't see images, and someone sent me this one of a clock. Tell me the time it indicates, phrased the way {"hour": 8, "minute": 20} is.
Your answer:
{"hour": 6, "minute": 19}
